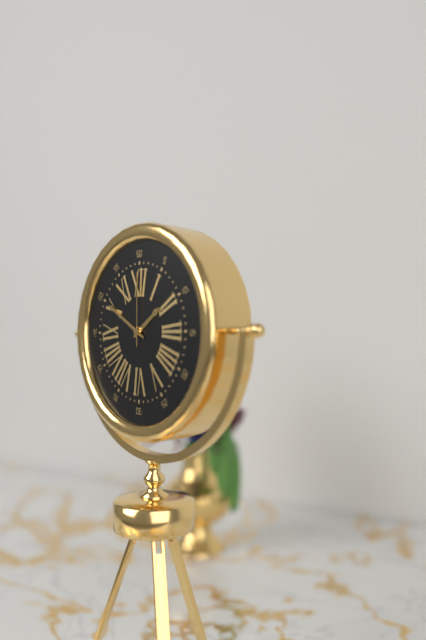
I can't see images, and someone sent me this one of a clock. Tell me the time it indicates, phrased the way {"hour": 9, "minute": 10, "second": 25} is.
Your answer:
{"hour": 1, "minute": 50, "second": 0}
